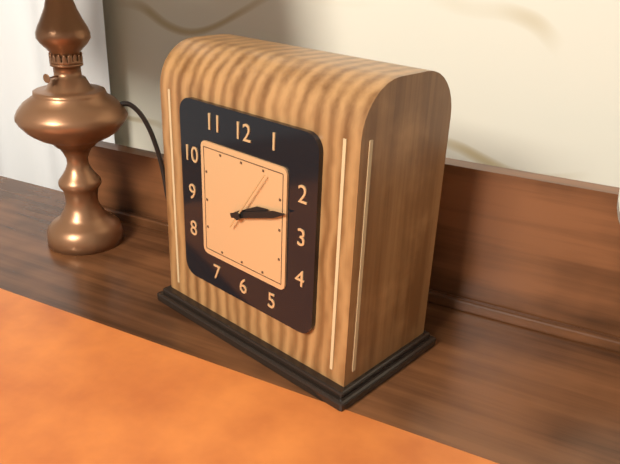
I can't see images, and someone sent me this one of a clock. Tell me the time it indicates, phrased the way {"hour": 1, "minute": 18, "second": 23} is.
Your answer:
{"hour": 2, "minute": 12, "second": 6}
